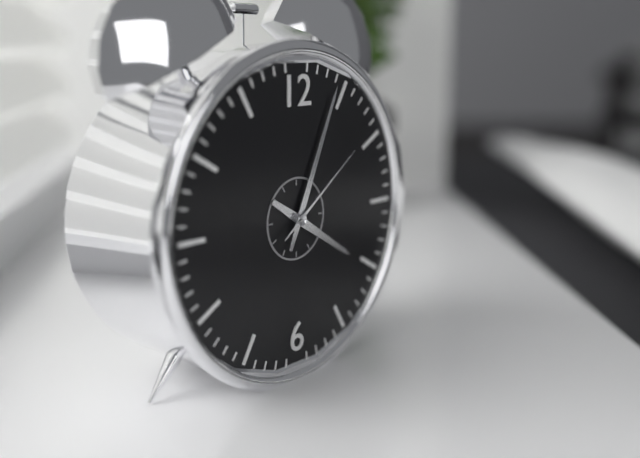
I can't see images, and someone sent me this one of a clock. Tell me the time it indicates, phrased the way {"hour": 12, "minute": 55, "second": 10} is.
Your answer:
{"hour": 4, "minute": 4, "second": 9}
